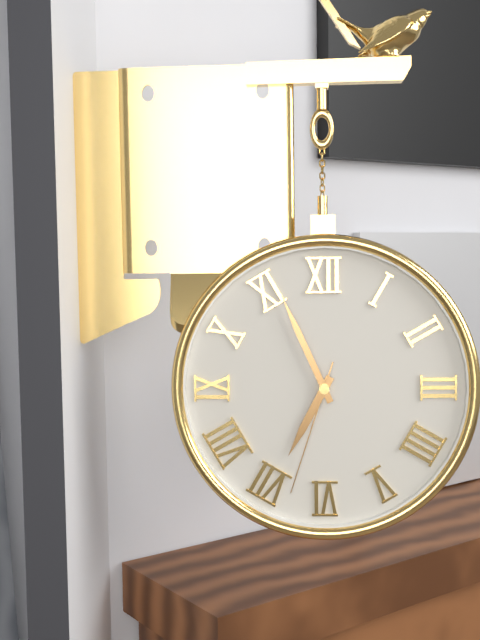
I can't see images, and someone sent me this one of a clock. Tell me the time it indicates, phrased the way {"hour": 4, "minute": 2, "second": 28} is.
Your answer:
{"hour": 6, "minute": 56, "second": 33}
